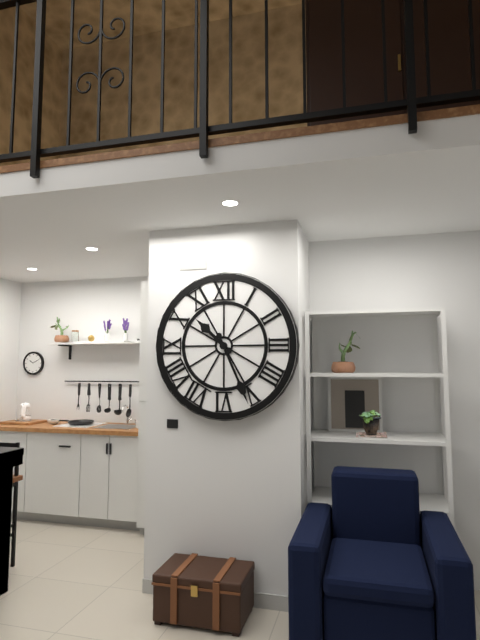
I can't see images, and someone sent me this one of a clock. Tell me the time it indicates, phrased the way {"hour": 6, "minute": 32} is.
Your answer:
{"hour": 10, "minute": 26}
